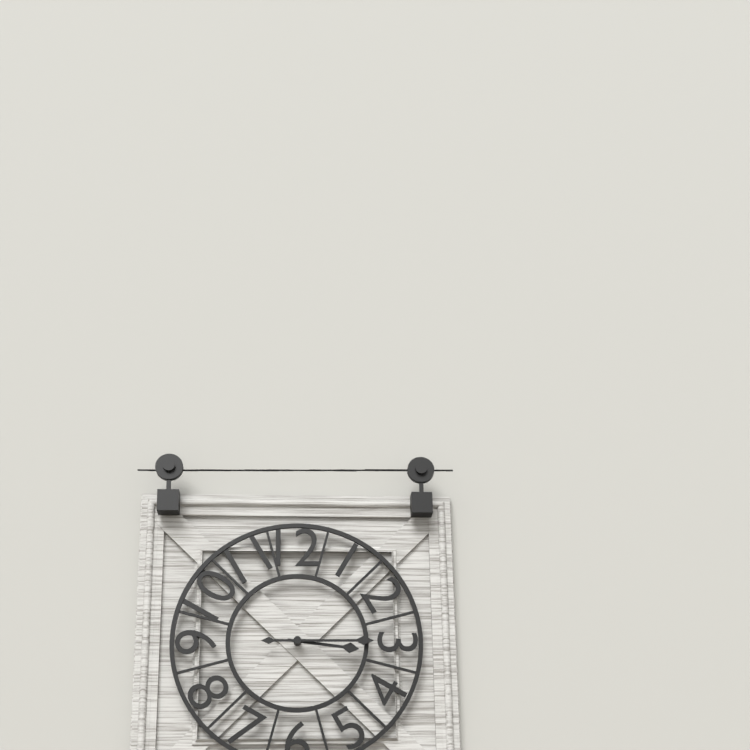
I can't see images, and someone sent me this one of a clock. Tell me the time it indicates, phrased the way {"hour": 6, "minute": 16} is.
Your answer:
{"hour": 3, "minute": 15}
